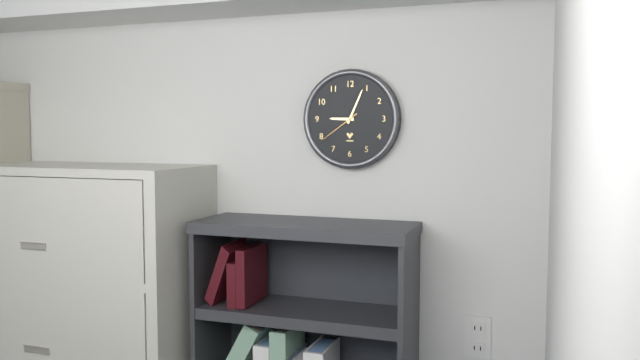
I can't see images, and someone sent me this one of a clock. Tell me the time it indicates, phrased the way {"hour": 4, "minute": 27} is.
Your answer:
{"hour": 9, "minute": 4}
